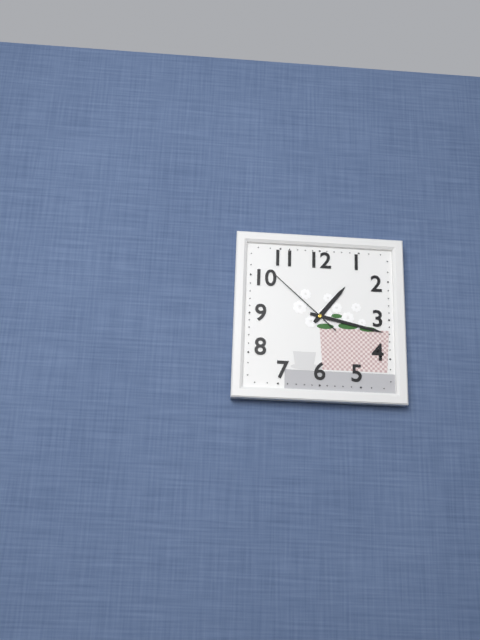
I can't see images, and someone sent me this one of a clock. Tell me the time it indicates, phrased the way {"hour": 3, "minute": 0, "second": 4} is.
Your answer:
{"hour": 1, "minute": 17, "second": 52}
